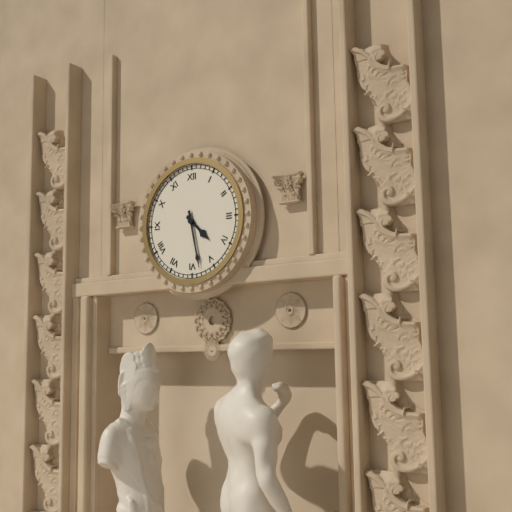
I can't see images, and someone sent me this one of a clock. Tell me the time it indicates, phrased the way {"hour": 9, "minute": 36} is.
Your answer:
{"hour": 4, "minute": 28}
